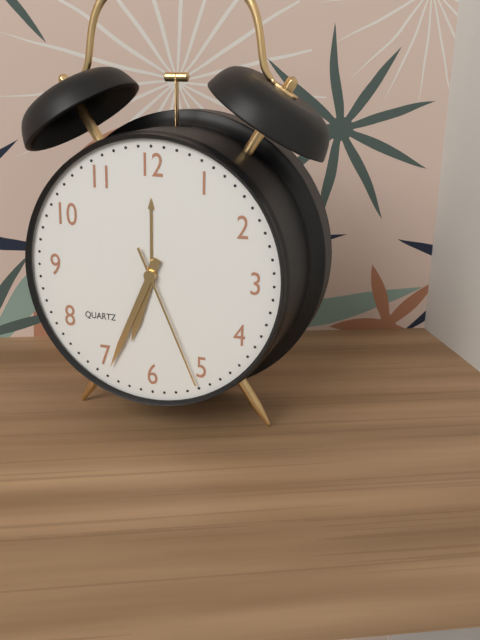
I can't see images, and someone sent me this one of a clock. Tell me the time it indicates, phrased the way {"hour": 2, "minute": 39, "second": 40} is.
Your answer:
{"hour": 6, "minute": 34, "second": 26}
